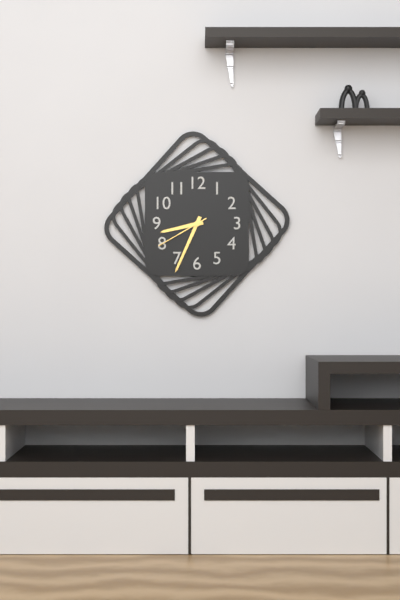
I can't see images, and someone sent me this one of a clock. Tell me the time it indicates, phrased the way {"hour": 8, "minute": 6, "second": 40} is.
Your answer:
{"hour": 8, "minute": 34, "second": 40}
